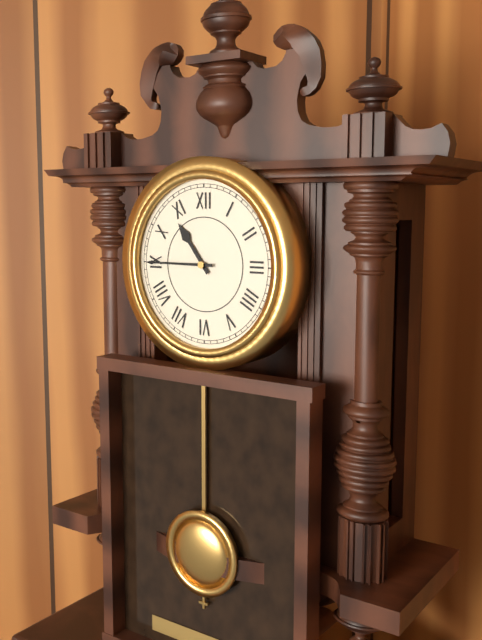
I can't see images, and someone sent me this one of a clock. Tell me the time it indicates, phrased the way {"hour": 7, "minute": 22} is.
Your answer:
{"hour": 10, "minute": 45}
